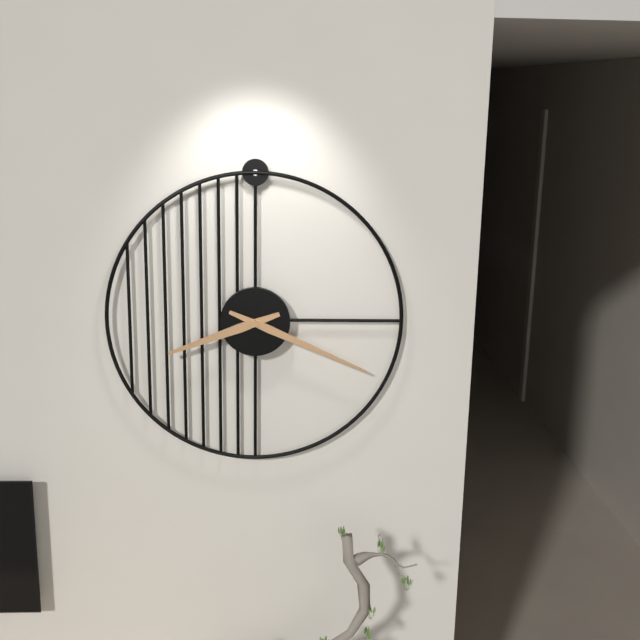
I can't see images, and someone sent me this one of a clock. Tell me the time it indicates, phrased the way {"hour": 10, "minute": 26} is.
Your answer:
{"hour": 8, "minute": 19}
